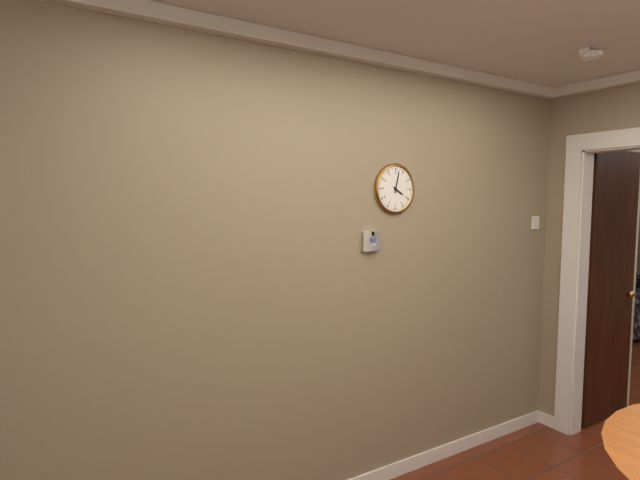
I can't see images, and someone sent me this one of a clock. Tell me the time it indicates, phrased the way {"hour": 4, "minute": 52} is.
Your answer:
{"hour": 4, "minute": 2}
